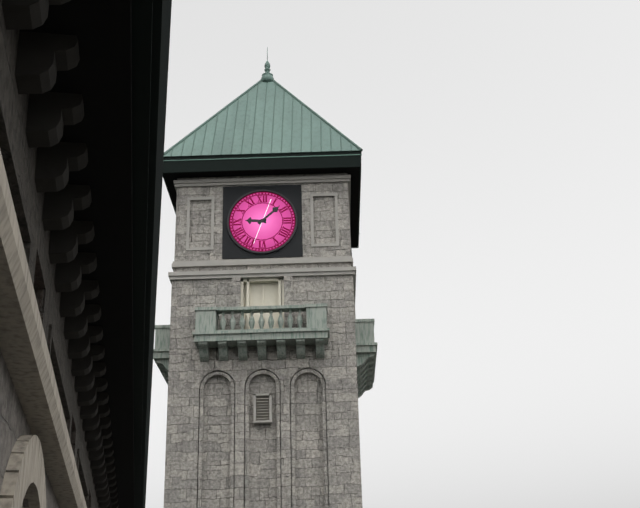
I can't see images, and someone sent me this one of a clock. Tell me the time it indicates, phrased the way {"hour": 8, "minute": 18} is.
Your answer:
{"hour": 9, "minute": 8}
